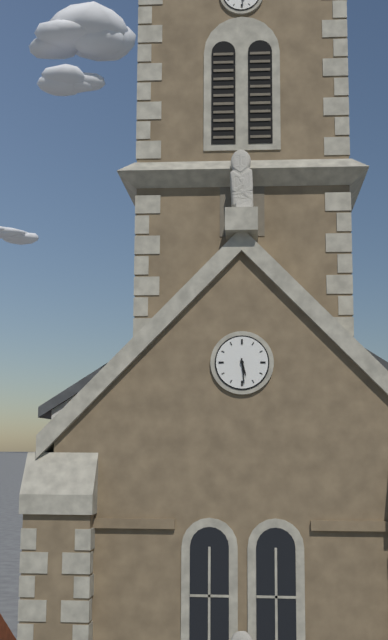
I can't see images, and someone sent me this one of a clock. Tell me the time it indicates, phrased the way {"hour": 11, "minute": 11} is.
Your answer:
{"hour": 5, "minute": 29}
